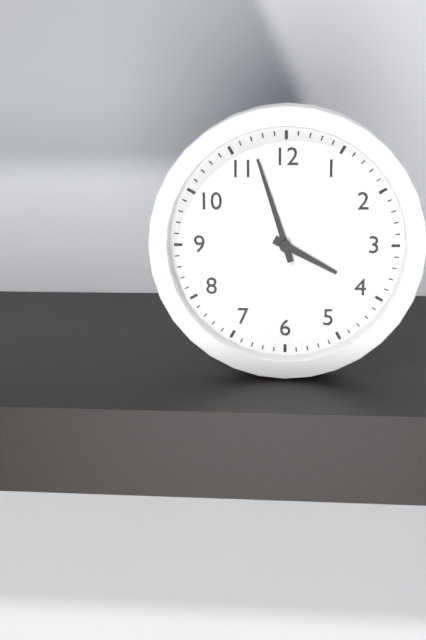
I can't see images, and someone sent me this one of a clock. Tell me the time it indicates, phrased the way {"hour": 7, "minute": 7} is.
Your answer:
{"hour": 3, "minute": 57}
